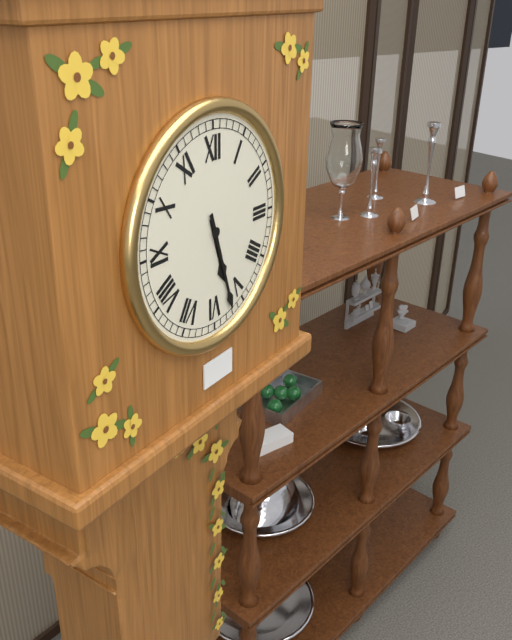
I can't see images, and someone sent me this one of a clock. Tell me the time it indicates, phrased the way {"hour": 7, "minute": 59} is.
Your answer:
{"hour": 5, "minute": 27}
